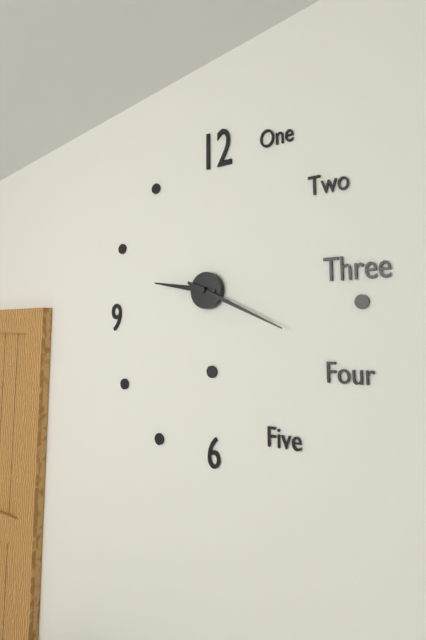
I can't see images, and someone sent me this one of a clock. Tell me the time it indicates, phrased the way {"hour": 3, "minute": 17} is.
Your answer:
{"hour": 9, "minute": 19}
